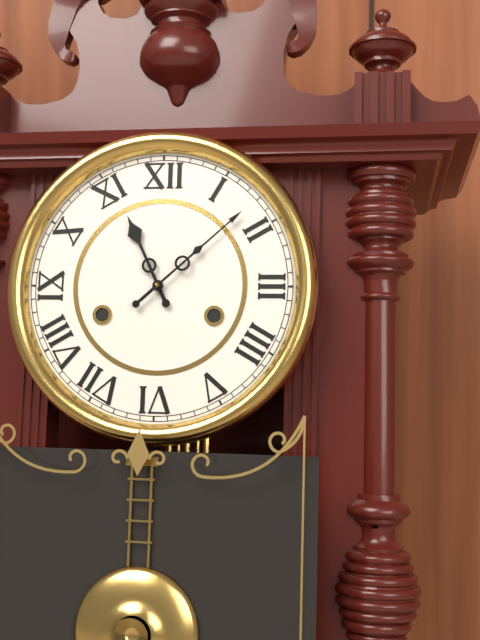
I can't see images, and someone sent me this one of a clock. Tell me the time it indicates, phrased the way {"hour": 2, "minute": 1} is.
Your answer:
{"hour": 11, "minute": 8}
